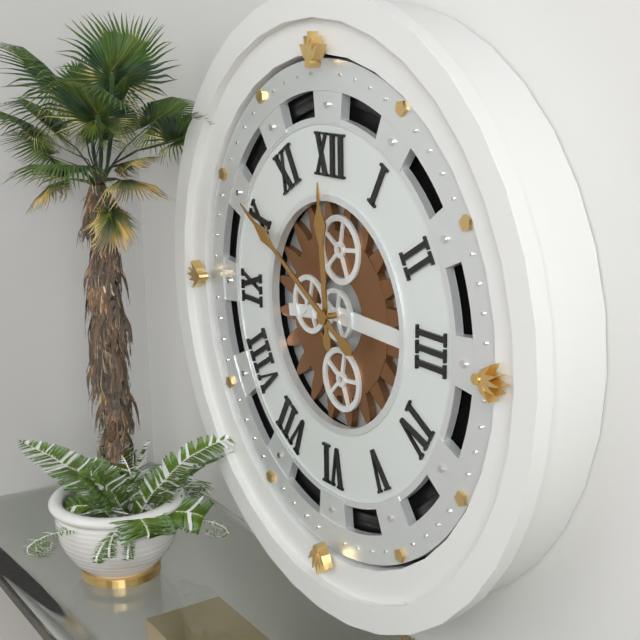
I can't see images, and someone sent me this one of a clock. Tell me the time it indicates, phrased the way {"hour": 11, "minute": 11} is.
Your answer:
{"hour": 11, "minute": 50}
